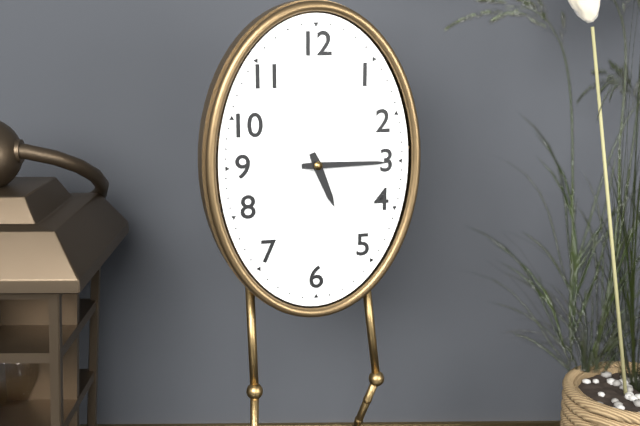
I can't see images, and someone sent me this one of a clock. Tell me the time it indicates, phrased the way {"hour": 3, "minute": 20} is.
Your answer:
{"hour": 5, "minute": 15}
